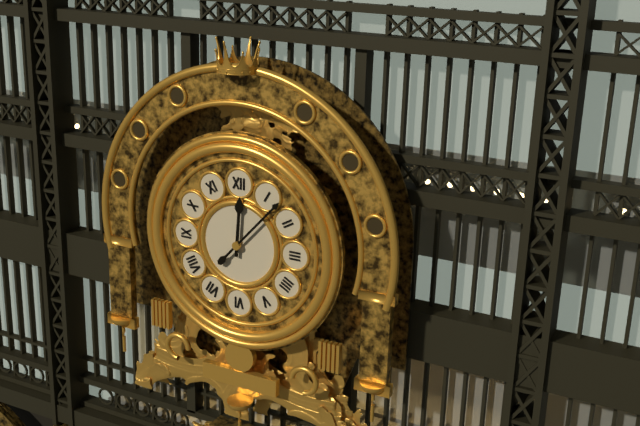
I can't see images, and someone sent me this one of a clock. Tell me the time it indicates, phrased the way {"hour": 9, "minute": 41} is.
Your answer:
{"hour": 12, "minute": 7}
